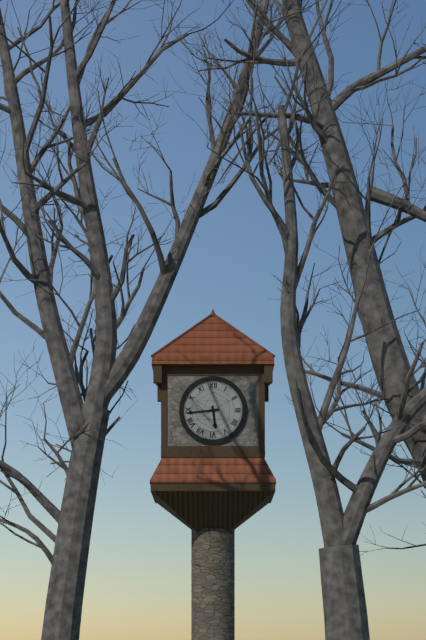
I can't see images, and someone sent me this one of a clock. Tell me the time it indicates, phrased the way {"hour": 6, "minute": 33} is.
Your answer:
{"hour": 5, "minute": 44}
